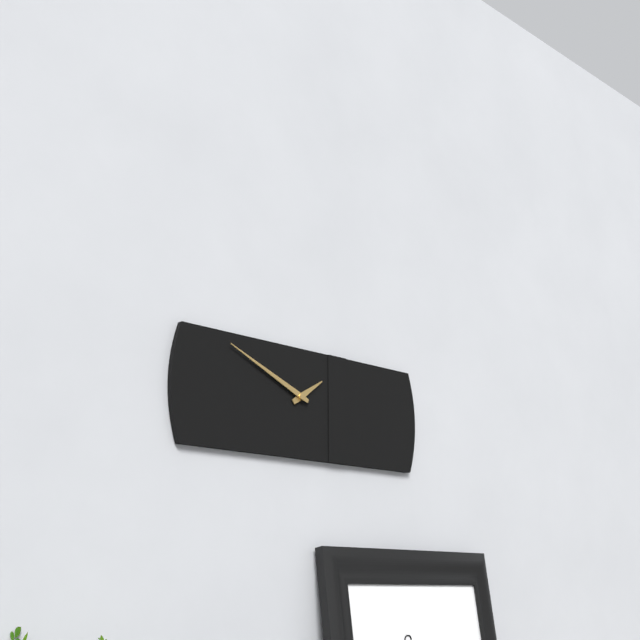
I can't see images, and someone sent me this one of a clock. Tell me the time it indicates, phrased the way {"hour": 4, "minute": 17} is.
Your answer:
{"hour": 1, "minute": 49}
